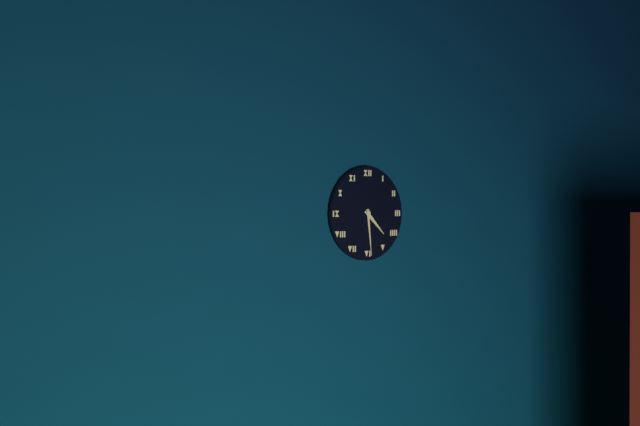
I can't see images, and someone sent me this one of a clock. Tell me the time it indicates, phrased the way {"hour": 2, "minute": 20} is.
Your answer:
{"hour": 4, "minute": 29}
